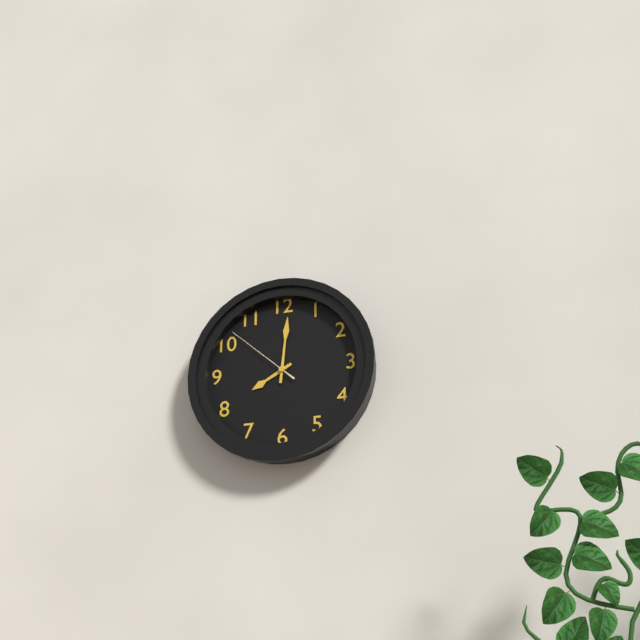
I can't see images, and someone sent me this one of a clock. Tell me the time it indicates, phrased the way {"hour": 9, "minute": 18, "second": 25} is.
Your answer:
{"hour": 8, "minute": 1, "second": 52}
